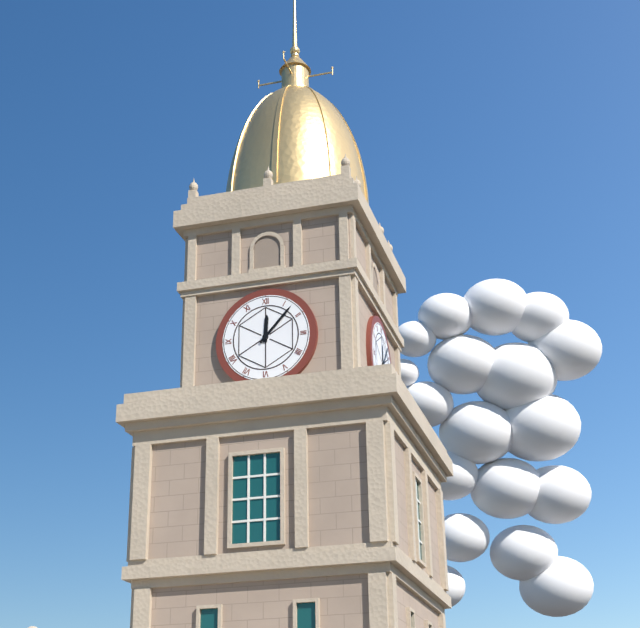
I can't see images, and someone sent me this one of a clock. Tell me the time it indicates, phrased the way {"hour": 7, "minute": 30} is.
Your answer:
{"hour": 12, "minute": 7}
